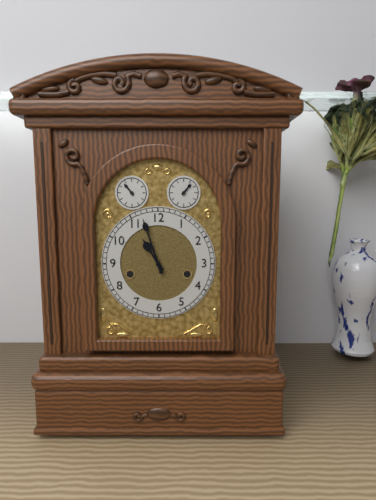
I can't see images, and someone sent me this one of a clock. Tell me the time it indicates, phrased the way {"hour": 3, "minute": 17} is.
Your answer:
{"hour": 10, "minute": 57}
